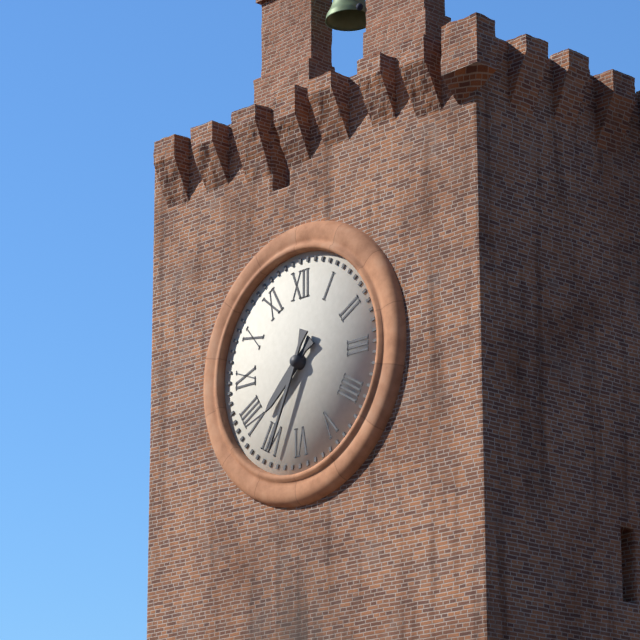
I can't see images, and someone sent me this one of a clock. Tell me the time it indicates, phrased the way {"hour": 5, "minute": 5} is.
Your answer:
{"hour": 7, "minute": 34}
